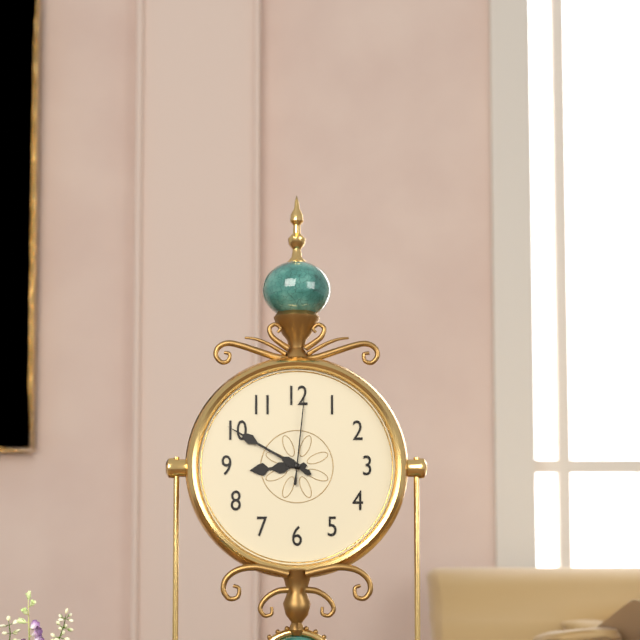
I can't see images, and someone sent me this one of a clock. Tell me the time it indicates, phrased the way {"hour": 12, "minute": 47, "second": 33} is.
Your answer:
{"hour": 8, "minute": 50, "second": 1}
